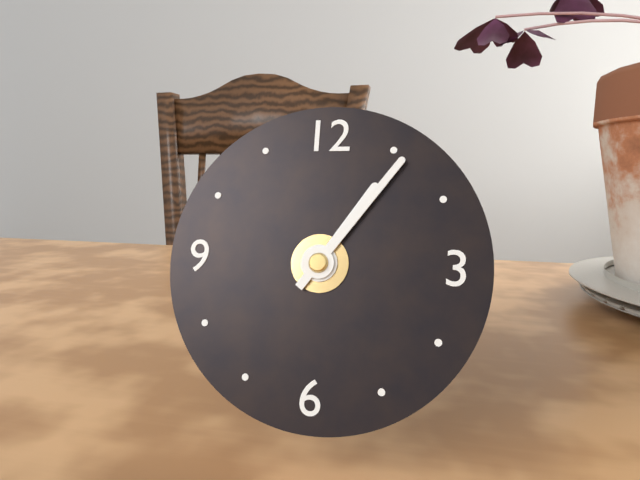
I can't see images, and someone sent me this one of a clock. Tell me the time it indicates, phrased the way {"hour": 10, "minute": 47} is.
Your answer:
{"hour": 1, "minute": 6}
